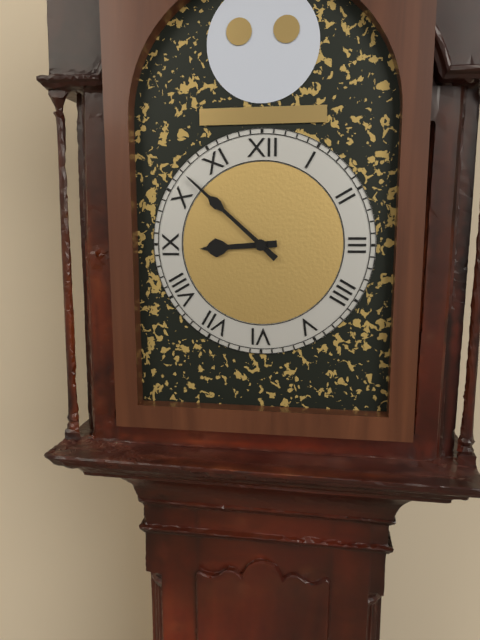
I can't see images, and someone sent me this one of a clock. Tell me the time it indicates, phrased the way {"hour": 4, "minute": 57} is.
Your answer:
{"hour": 8, "minute": 52}
